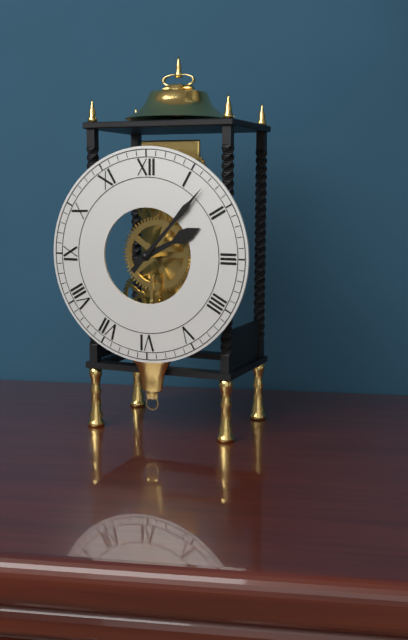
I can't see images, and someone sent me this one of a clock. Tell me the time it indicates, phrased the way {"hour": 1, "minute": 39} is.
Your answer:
{"hour": 2, "minute": 7}
